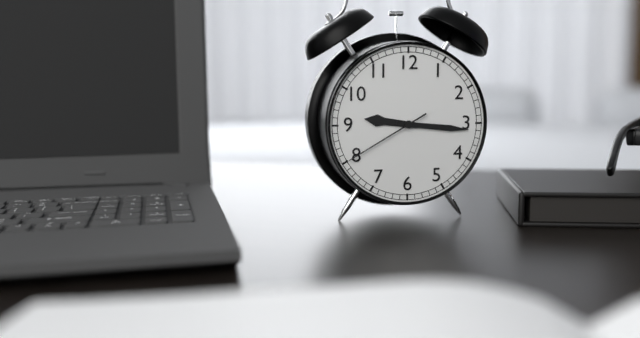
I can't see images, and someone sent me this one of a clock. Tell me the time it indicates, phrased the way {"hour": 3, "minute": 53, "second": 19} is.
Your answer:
{"hour": 9, "minute": 16, "second": 40}
